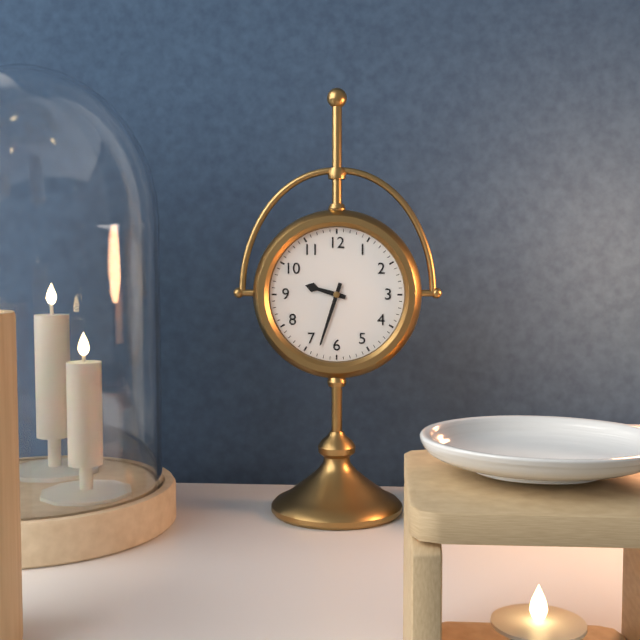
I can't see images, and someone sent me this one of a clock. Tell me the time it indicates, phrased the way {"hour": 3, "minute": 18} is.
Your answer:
{"hour": 9, "minute": 33}
